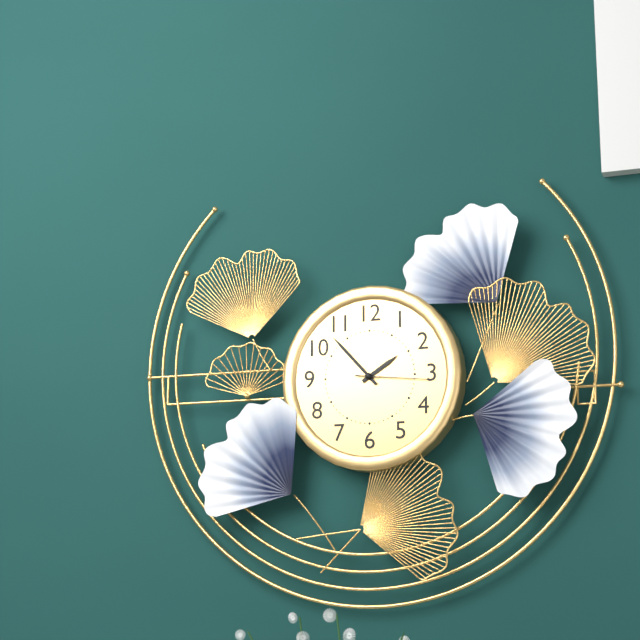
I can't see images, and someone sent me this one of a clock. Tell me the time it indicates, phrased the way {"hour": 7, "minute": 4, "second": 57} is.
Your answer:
{"hour": 1, "minute": 53, "second": 16}
